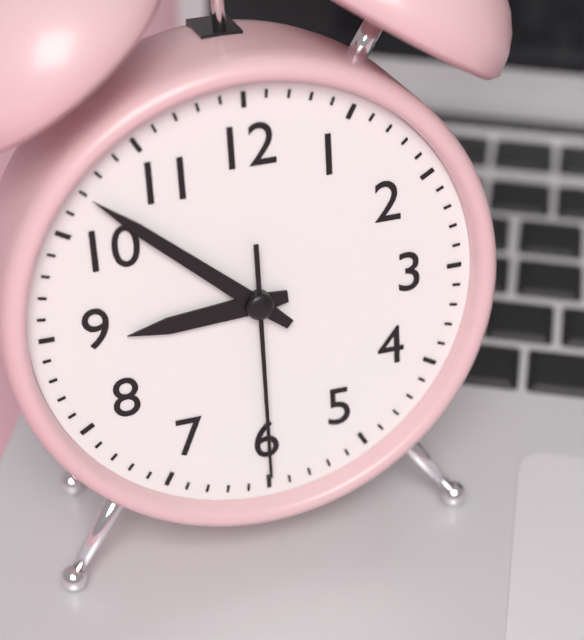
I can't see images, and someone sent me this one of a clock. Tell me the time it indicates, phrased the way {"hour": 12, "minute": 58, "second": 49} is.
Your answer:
{"hour": 8, "minute": 52, "second": 30}
